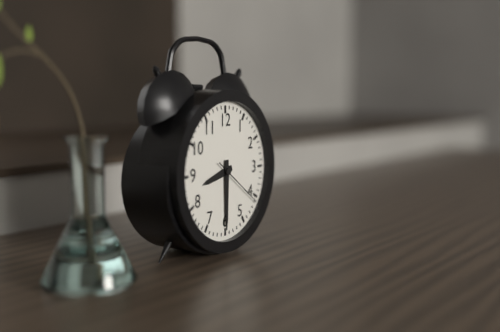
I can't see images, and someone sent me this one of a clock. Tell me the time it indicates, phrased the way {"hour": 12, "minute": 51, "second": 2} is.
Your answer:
{"hour": 8, "minute": 30, "second": 21}
